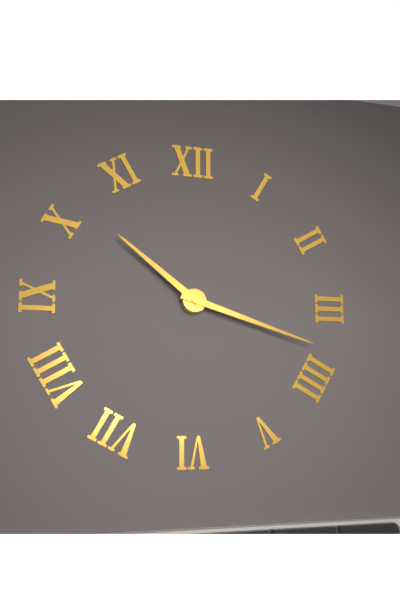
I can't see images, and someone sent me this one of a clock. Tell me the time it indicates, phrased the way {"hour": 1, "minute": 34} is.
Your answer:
{"hour": 10, "minute": 18}
